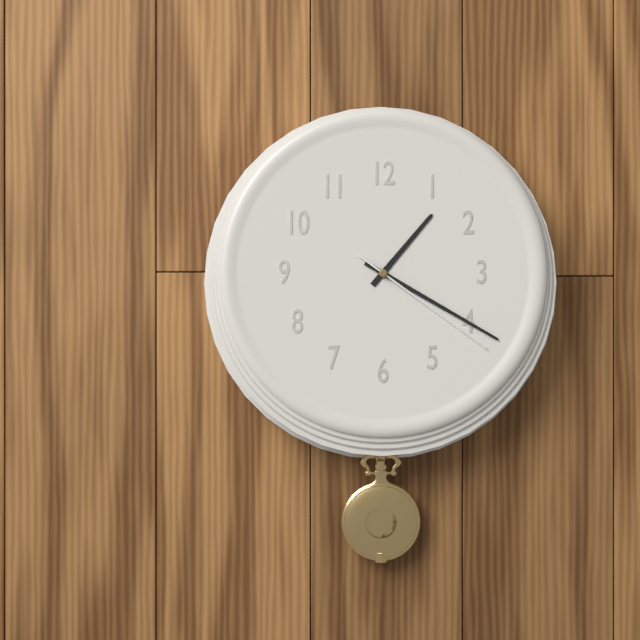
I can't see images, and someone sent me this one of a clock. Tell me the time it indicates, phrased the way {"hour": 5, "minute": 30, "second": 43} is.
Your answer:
{"hour": 1, "minute": 20, "second": 21}
